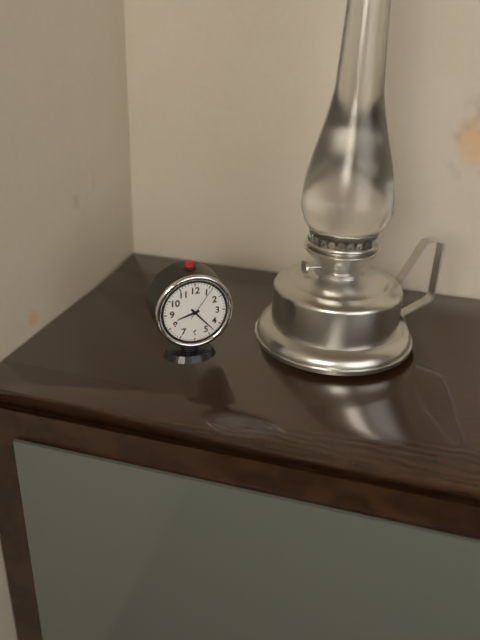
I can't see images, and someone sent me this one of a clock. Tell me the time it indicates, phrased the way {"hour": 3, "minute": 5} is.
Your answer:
{"hour": 8, "minute": 23}
